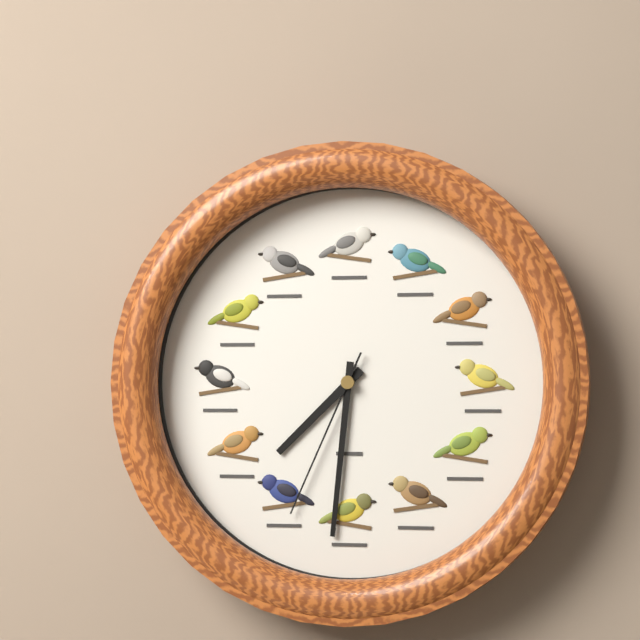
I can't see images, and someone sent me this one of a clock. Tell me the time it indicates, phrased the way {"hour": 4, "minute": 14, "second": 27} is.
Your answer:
{"hour": 7, "minute": 31, "second": 34}
